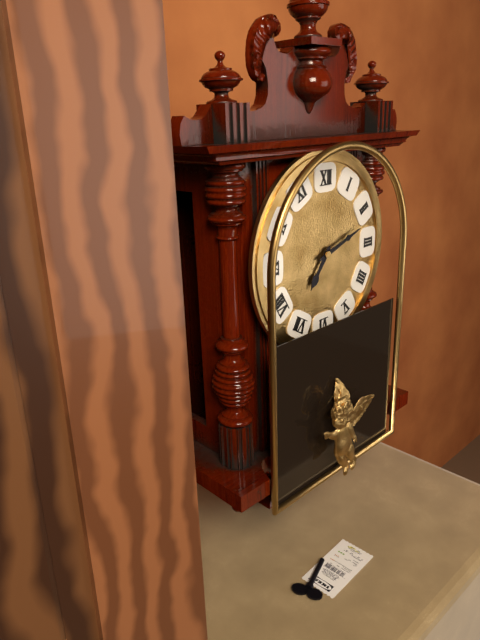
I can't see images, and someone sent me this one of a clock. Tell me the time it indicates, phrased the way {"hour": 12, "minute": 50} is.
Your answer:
{"hour": 7, "minute": 12}
